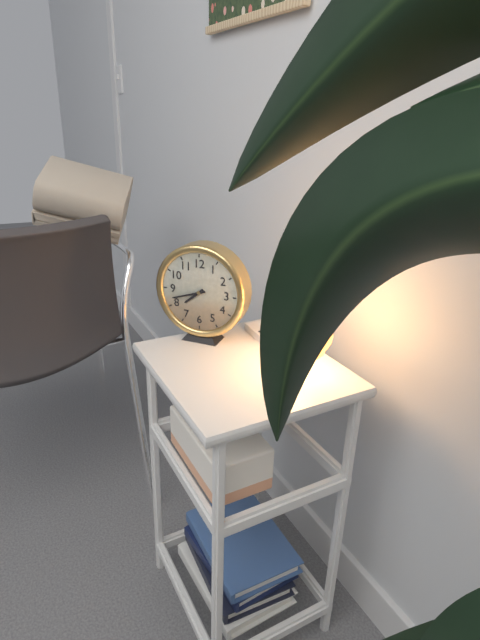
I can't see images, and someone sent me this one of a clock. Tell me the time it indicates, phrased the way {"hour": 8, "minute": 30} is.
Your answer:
{"hour": 7, "minute": 42}
